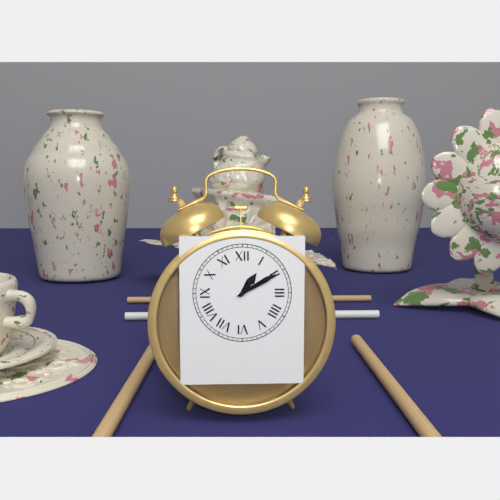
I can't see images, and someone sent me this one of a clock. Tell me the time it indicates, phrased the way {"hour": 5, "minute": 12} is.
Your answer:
{"hour": 1, "minute": 10}
